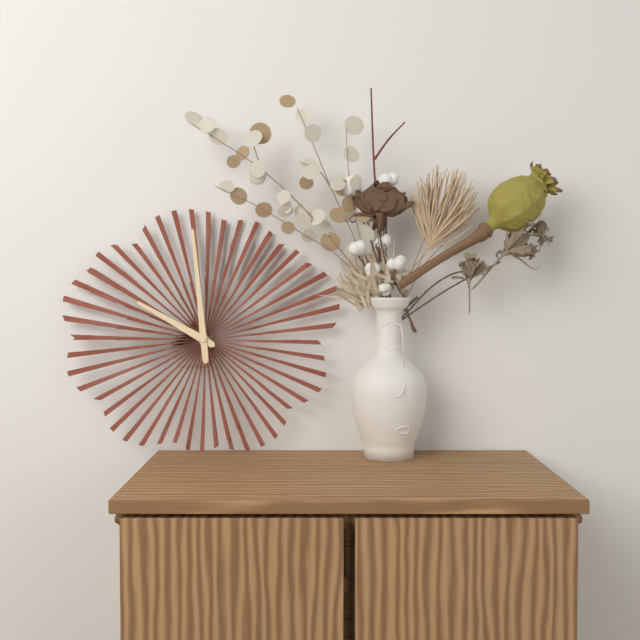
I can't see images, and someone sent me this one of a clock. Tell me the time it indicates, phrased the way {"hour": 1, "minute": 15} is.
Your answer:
{"hour": 9, "minute": 59}
